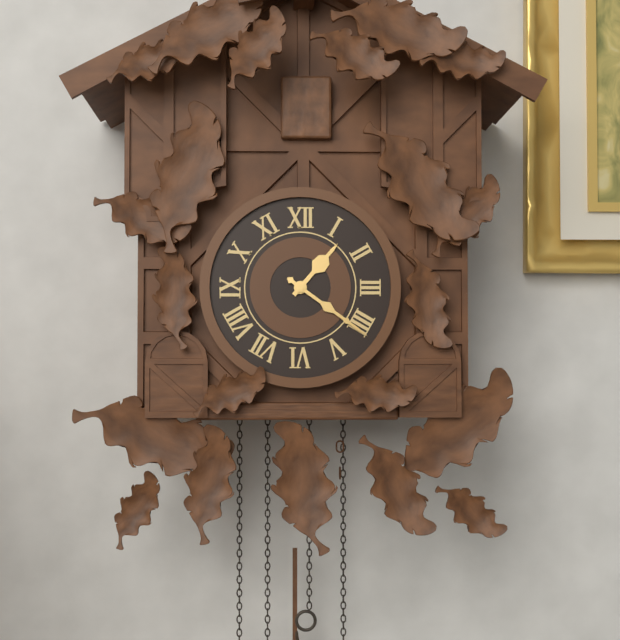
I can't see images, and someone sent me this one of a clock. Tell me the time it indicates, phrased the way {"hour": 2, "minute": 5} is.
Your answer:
{"hour": 1, "minute": 21}
